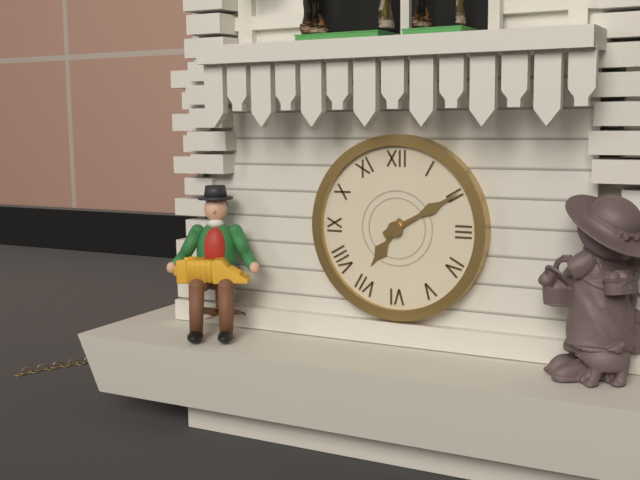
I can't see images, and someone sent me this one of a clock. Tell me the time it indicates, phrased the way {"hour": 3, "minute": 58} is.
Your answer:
{"hour": 7, "minute": 10}
